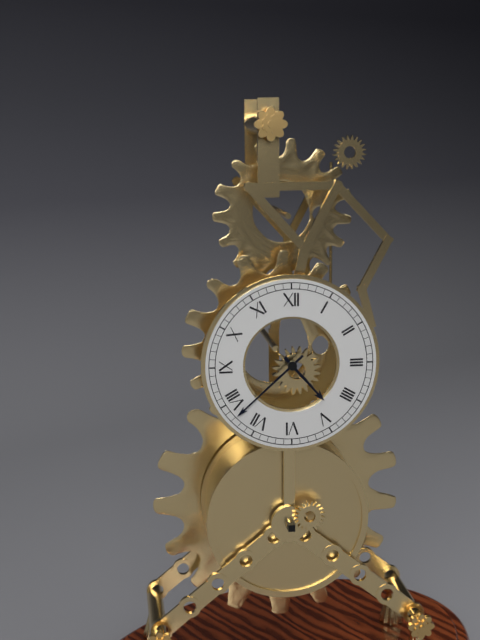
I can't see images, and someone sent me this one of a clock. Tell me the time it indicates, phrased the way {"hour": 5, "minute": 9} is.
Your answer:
{"hour": 4, "minute": 38}
